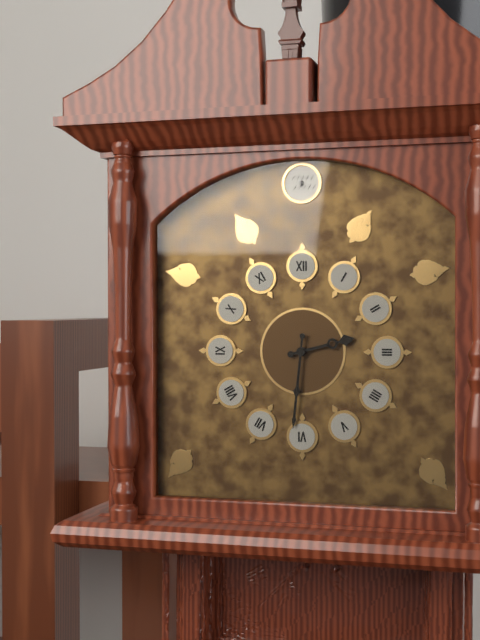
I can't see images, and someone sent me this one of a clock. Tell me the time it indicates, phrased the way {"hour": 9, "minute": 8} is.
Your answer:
{"hour": 2, "minute": 31}
